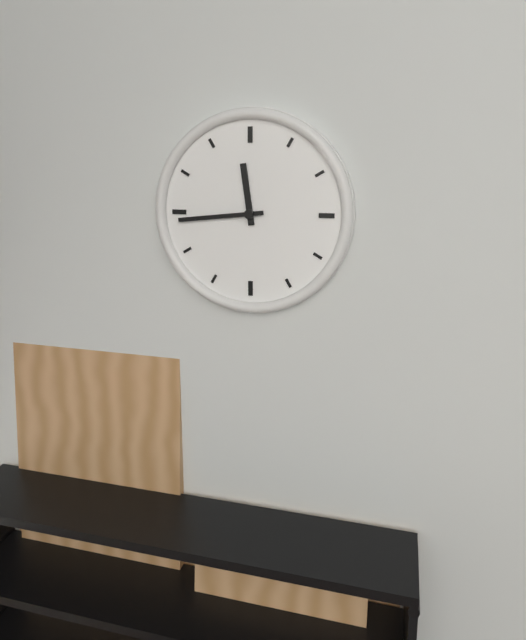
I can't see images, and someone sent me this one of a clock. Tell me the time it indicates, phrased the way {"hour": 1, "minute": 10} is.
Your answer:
{"hour": 11, "minute": 44}
